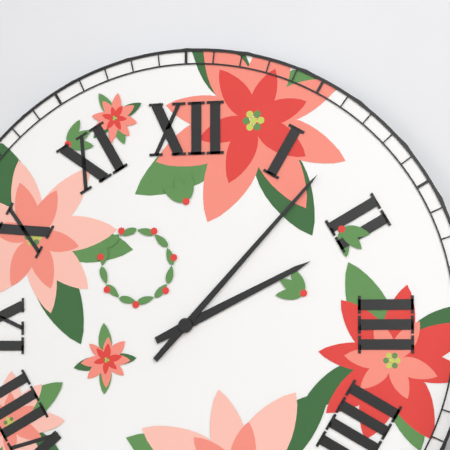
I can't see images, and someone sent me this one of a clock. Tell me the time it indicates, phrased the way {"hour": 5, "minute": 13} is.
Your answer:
{"hour": 2, "minute": 7}
